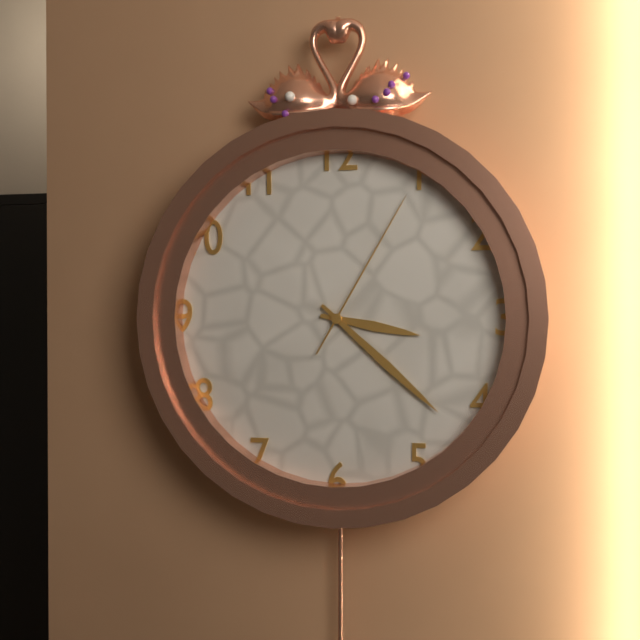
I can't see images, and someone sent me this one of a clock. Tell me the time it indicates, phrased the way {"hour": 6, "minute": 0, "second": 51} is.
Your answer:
{"hour": 3, "minute": 22, "second": 5}
